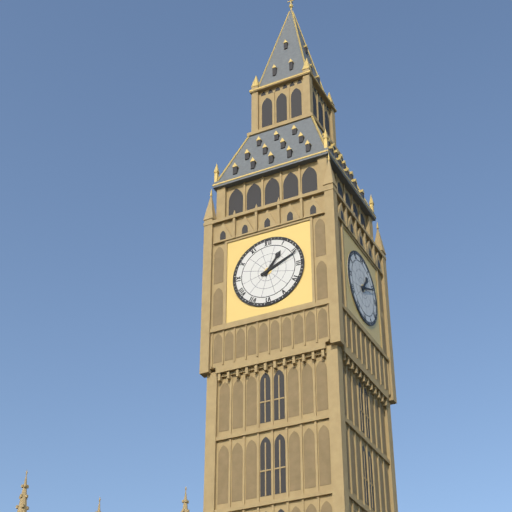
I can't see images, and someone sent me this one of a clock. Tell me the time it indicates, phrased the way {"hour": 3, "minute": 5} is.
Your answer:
{"hour": 1, "minute": 11}
